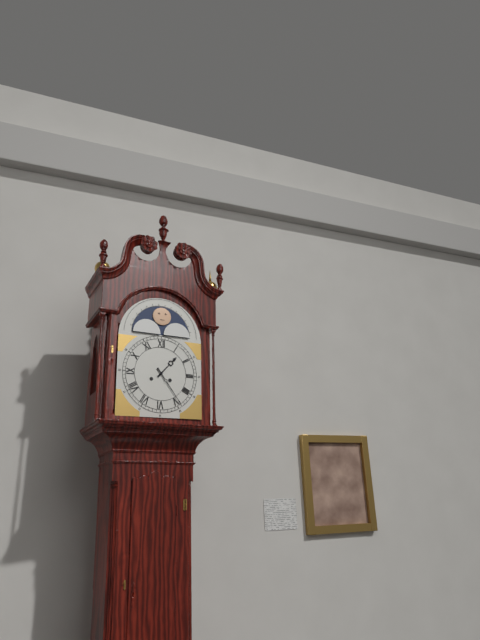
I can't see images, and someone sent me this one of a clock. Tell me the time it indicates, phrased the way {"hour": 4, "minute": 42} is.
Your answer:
{"hour": 1, "minute": 24}
